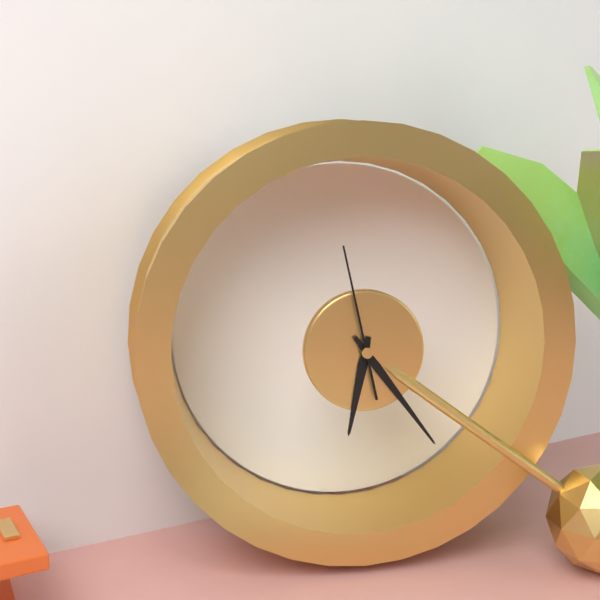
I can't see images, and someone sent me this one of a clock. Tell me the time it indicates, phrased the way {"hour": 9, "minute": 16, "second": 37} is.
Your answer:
{"hour": 6, "minute": 24, "second": 58}
